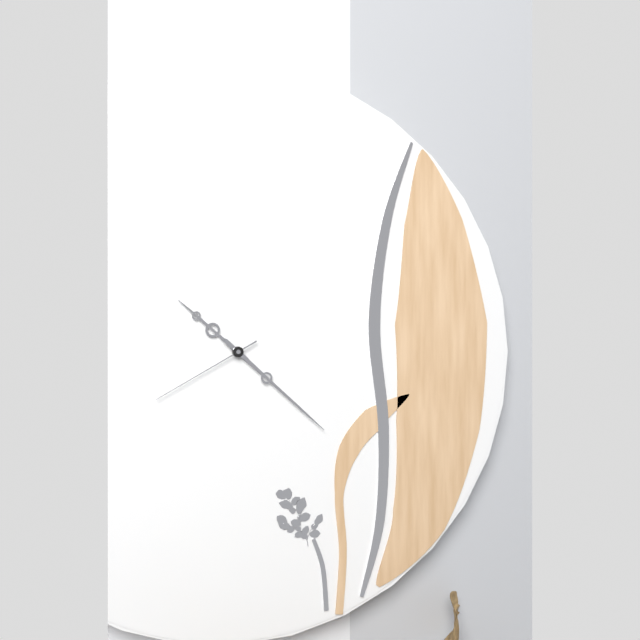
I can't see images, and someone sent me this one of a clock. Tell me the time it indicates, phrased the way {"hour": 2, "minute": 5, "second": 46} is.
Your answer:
{"hour": 10, "minute": 22, "second": 40}
